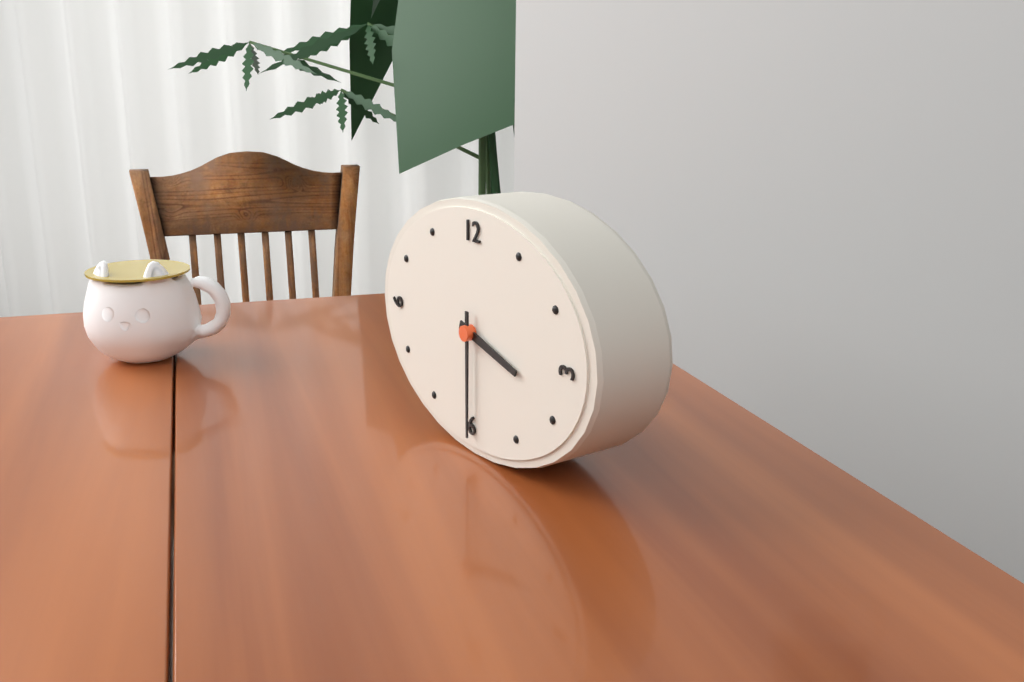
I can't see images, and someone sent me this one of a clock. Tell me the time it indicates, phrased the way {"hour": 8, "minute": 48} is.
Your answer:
{"hour": 3, "minute": 30}
